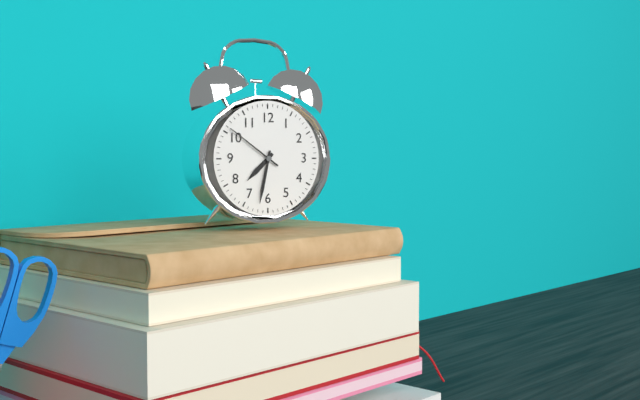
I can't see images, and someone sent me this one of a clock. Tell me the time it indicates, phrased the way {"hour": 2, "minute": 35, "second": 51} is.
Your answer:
{"hour": 7, "minute": 32, "second": 51}
